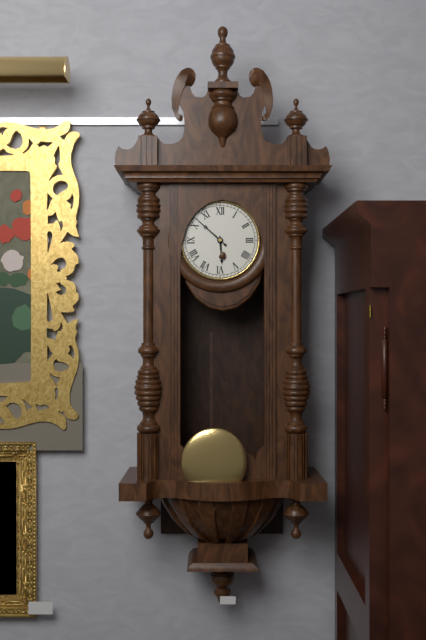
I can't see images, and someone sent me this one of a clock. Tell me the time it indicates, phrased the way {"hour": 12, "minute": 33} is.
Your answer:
{"hour": 5, "minute": 52}
